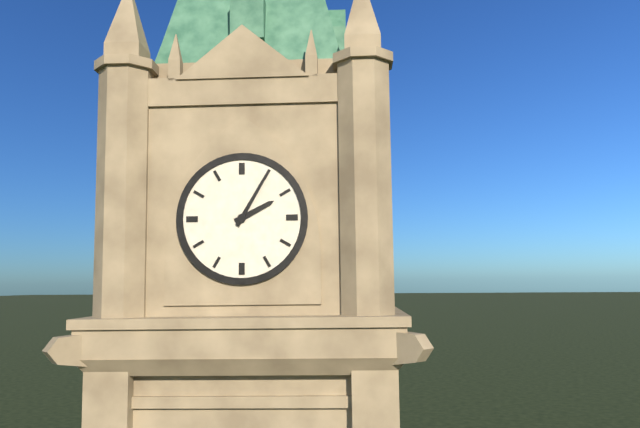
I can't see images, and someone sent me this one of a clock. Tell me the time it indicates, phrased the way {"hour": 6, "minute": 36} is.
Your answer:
{"hour": 2, "minute": 5}
